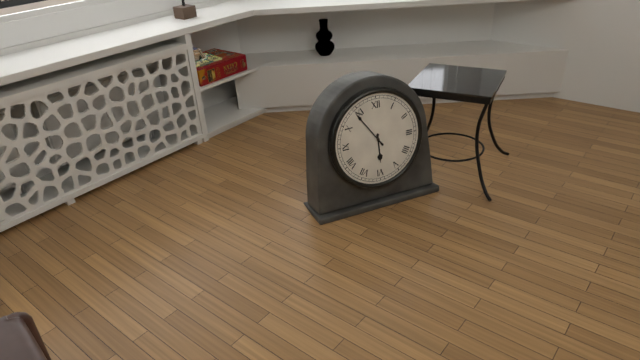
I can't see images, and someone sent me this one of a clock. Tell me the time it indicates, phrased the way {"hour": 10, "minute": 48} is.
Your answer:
{"hour": 5, "minute": 54}
